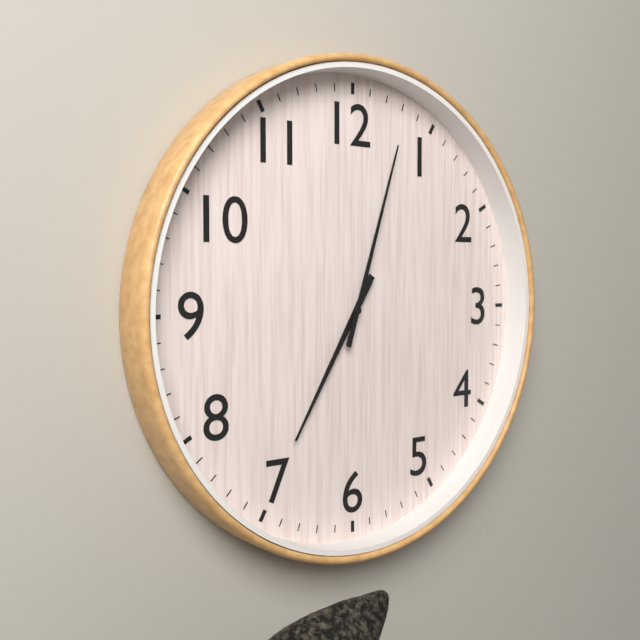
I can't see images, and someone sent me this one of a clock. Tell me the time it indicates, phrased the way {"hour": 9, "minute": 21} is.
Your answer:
{"hour": 7, "minute": 3}
